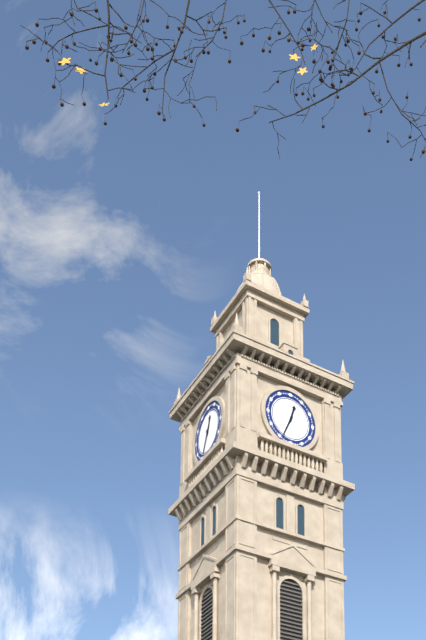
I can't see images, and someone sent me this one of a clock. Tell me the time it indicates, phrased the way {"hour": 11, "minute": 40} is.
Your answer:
{"hour": 12, "minute": 34}
